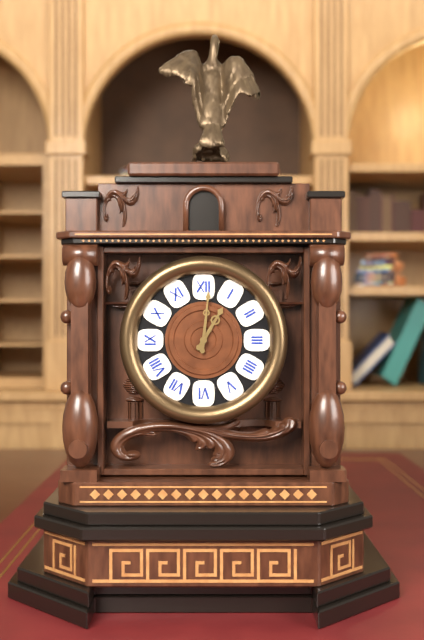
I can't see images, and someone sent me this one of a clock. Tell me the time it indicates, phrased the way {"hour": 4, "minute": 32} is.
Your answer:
{"hour": 1, "minute": 1}
